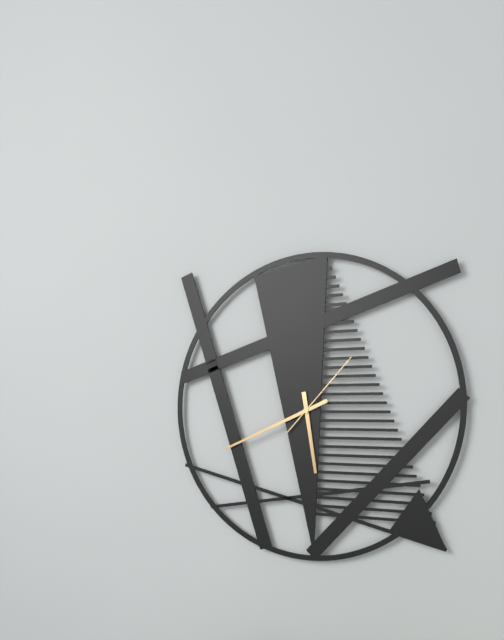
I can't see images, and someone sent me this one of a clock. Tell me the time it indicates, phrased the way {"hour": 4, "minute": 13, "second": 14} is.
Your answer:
{"hour": 5, "minute": 41, "second": 7}
